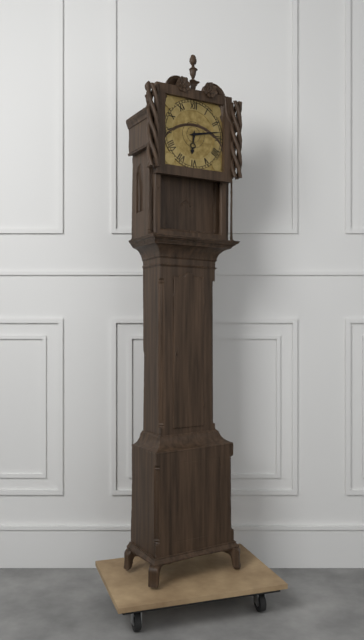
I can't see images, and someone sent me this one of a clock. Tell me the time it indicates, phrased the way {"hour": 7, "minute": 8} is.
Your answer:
{"hour": 6, "minute": 13}
